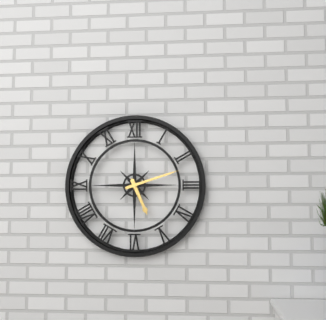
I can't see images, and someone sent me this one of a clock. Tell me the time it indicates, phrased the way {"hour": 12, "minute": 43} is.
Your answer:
{"hour": 5, "minute": 12}
